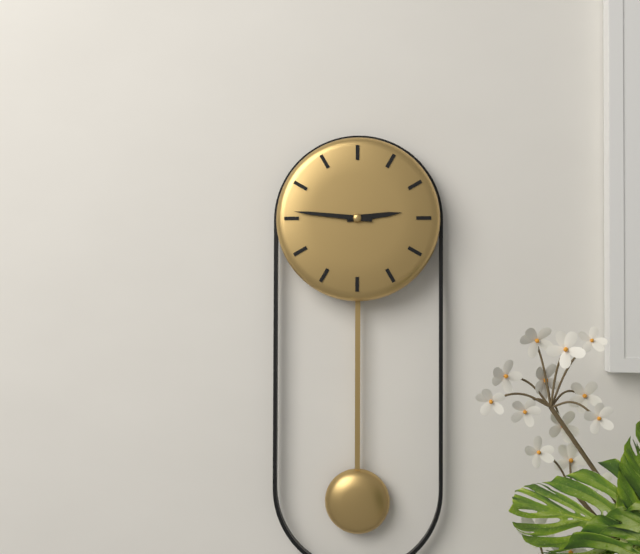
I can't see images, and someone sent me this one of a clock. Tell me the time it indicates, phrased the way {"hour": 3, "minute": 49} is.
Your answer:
{"hour": 2, "minute": 46}
